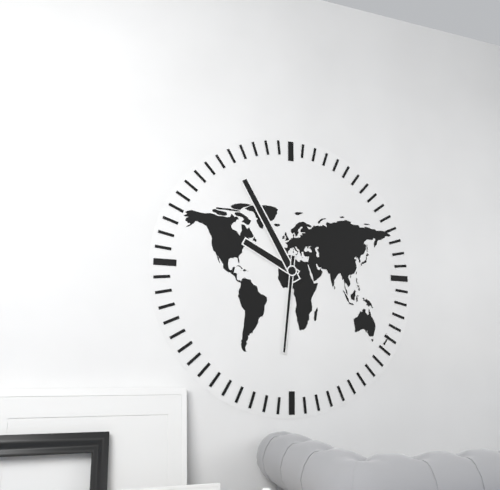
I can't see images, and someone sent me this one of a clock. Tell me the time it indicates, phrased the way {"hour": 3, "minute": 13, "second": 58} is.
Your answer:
{"hour": 9, "minute": 55, "second": 31}
